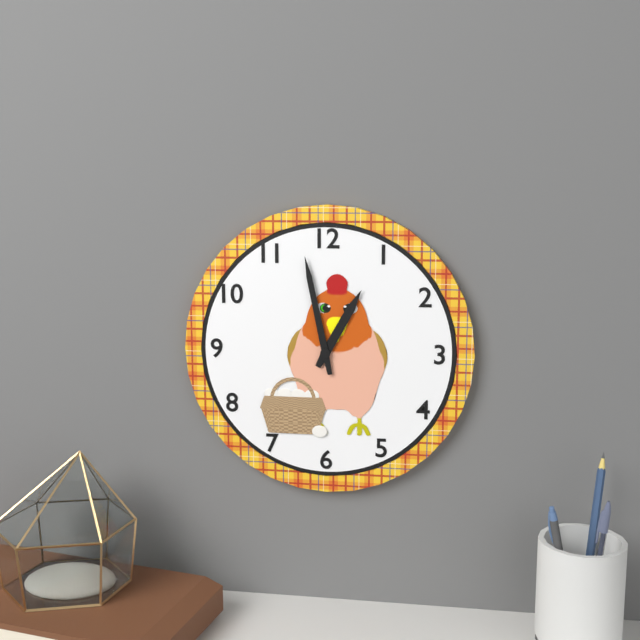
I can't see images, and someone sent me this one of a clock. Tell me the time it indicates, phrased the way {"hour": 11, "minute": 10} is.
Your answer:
{"hour": 12, "minute": 58}
